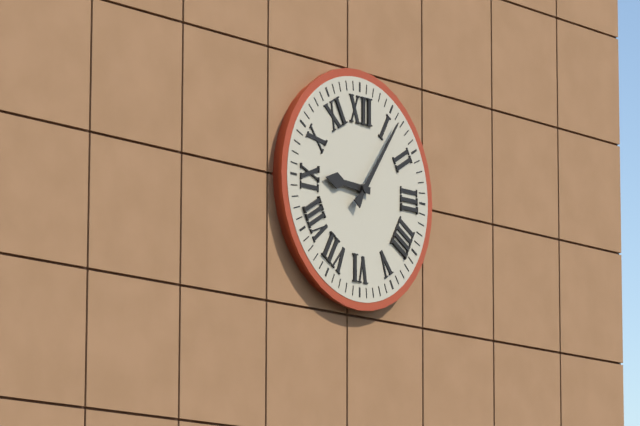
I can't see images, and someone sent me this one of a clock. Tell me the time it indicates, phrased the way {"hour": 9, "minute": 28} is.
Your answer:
{"hour": 9, "minute": 6}
